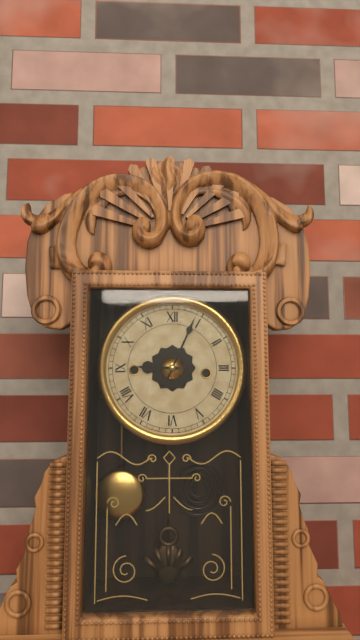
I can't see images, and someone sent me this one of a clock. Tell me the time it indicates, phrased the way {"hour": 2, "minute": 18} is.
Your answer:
{"hour": 9, "minute": 4}
